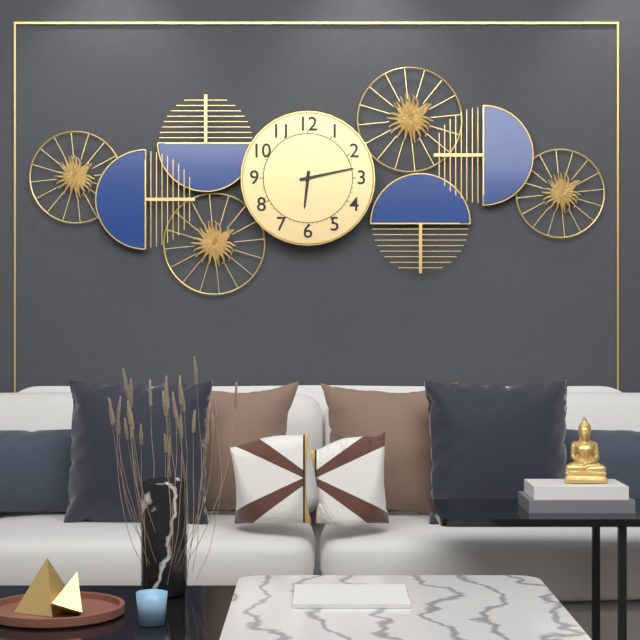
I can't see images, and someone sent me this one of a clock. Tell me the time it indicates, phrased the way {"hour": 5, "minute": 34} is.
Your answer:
{"hour": 6, "minute": 13}
